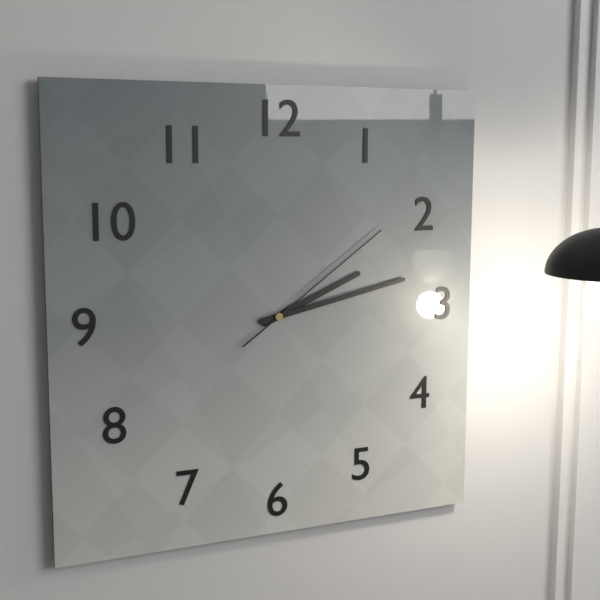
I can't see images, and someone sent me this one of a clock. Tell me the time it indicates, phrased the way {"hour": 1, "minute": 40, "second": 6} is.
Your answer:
{"hour": 2, "minute": 13, "second": 9}
